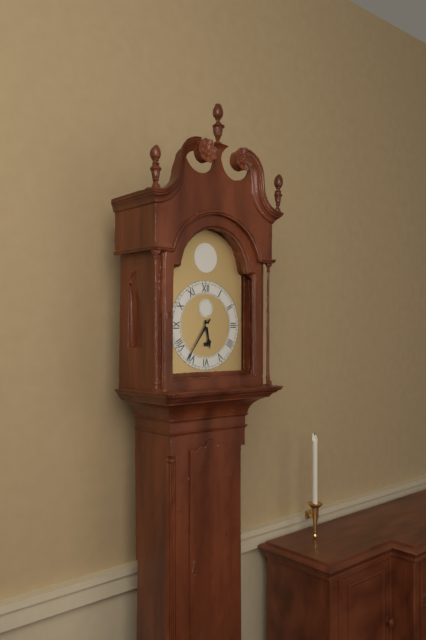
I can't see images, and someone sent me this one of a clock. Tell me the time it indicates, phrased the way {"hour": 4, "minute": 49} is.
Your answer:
{"hour": 5, "minute": 36}
